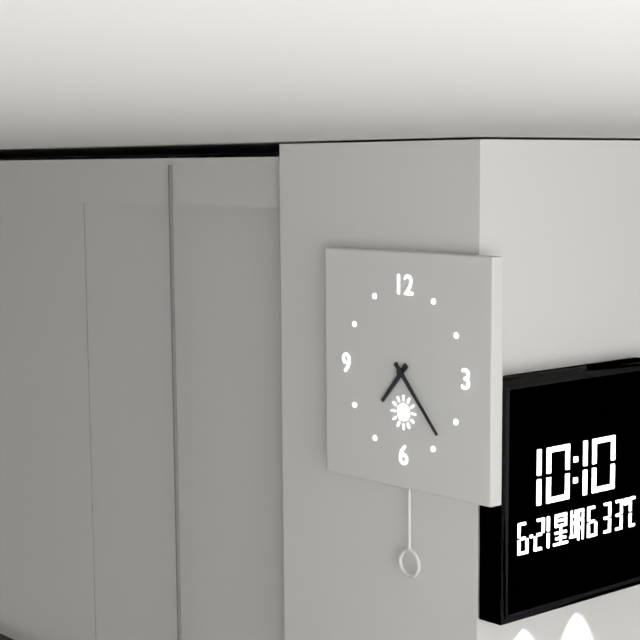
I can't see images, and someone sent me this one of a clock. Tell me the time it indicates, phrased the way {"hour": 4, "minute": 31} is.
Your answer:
{"hour": 7, "minute": 23}
